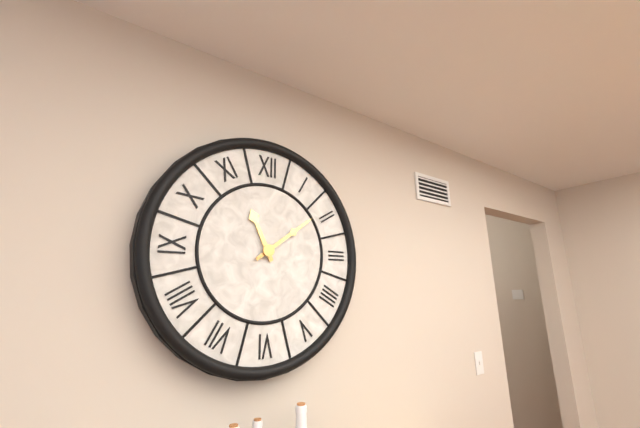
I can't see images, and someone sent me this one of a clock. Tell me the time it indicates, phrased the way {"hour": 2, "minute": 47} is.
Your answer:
{"hour": 11, "minute": 9}
